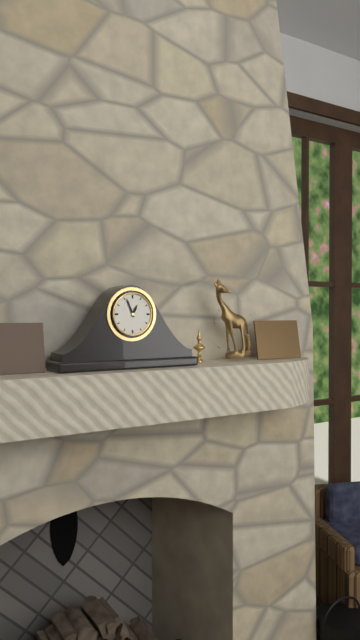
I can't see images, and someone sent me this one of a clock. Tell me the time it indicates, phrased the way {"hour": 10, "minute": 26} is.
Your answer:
{"hour": 12, "minute": 56}
